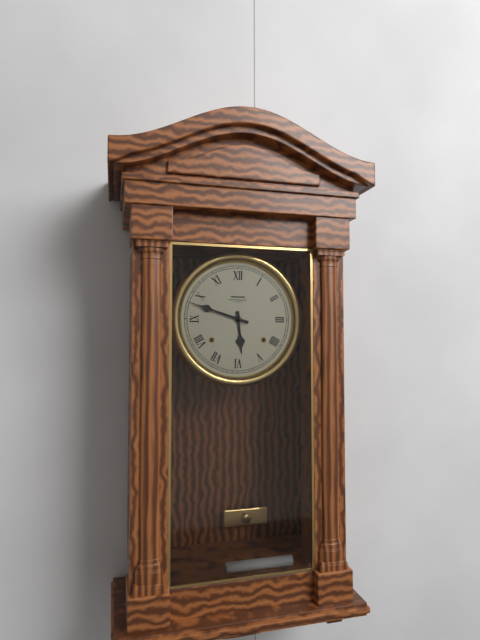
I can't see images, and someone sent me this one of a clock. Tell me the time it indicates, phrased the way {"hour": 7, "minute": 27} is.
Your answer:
{"hour": 5, "minute": 48}
